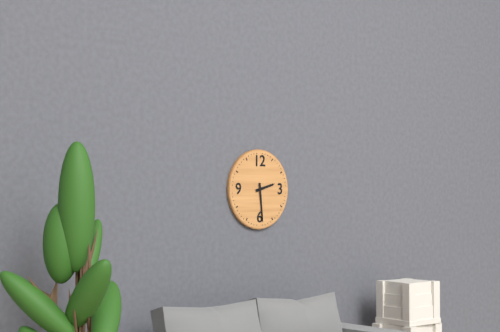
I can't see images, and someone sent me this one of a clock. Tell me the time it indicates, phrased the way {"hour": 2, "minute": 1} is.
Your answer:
{"hour": 2, "minute": 29}
